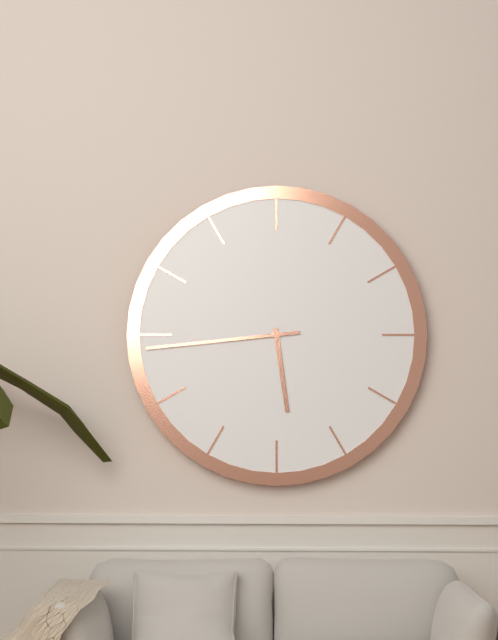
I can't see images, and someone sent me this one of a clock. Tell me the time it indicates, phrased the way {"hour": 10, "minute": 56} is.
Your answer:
{"hour": 5, "minute": 44}
